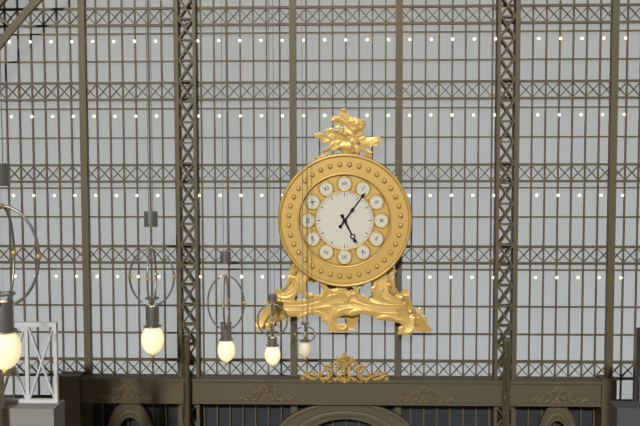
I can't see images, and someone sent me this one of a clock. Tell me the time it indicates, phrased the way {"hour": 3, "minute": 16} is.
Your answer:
{"hour": 5, "minute": 6}
